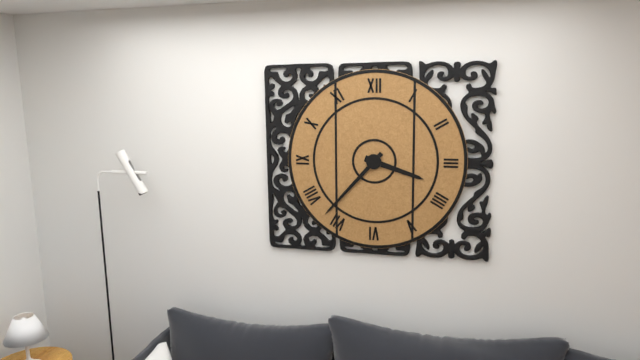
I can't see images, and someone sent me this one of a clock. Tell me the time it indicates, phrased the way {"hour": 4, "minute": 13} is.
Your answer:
{"hour": 3, "minute": 37}
